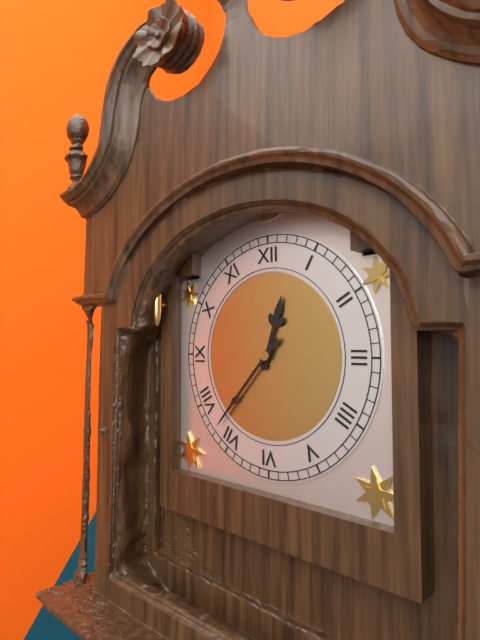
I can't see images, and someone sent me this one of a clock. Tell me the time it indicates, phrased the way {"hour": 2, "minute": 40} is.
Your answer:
{"hour": 12, "minute": 37}
